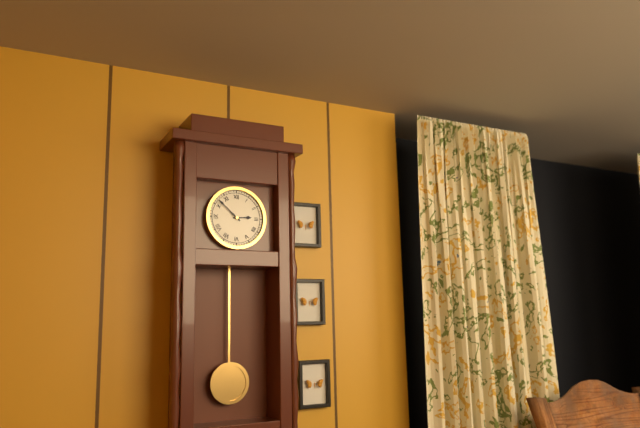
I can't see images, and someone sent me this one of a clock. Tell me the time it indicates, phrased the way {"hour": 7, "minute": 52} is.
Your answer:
{"hour": 2, "minute": 52}
